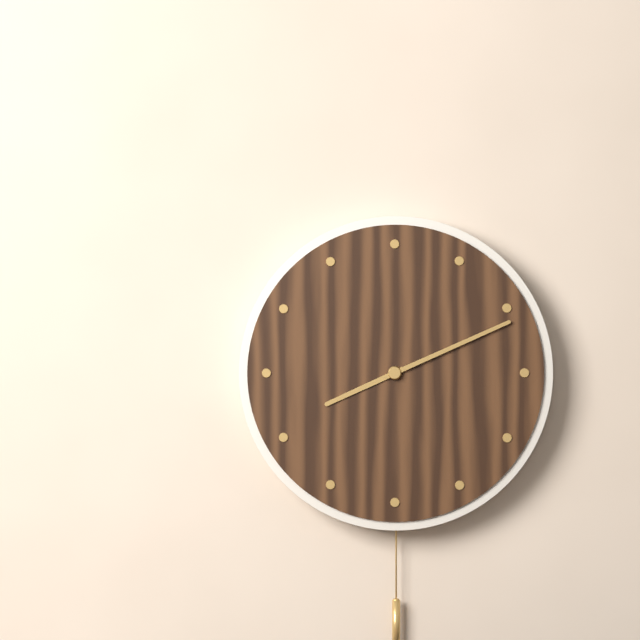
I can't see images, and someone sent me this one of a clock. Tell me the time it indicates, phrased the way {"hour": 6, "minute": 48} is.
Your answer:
{"hour": 8, "minute": 11}
